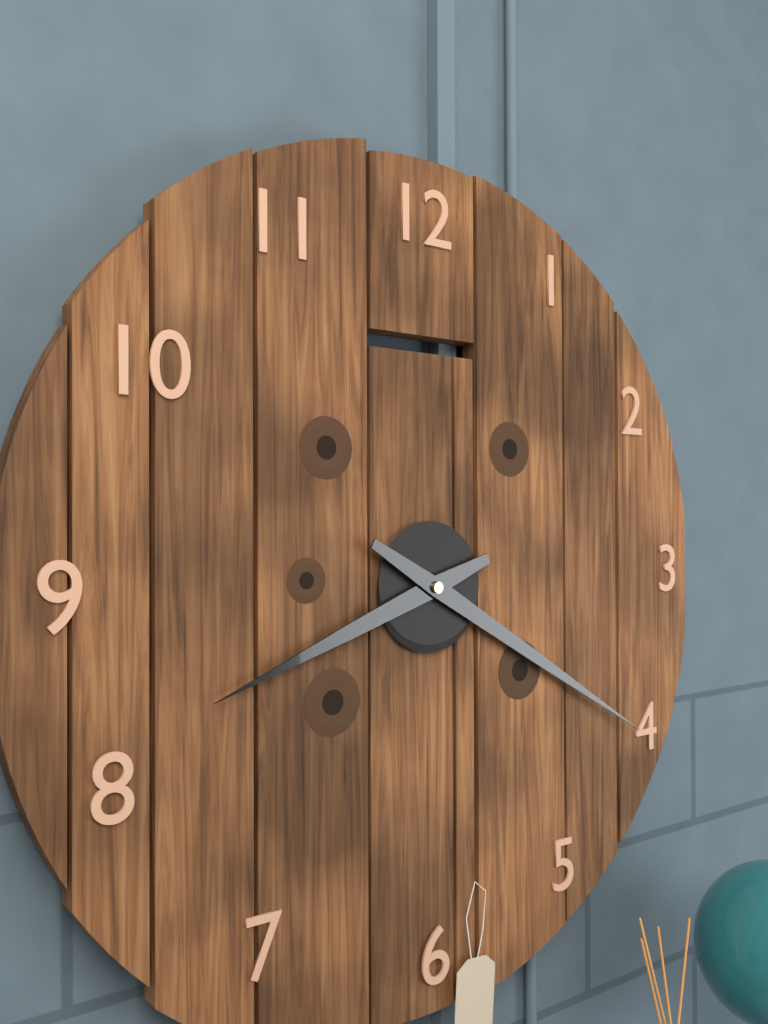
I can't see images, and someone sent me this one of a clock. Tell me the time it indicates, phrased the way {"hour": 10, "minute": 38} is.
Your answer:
{"hour": 8, "minute": 20}
